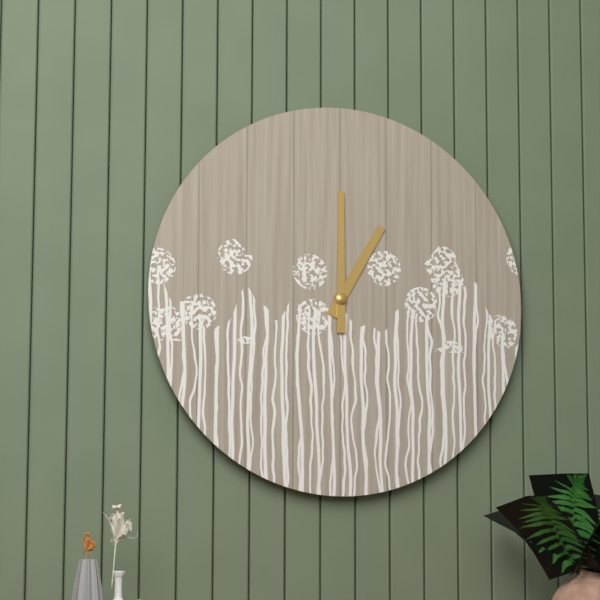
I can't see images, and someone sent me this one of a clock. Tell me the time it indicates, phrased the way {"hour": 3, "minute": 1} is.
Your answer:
{"hour": 1, "minute": 0}
